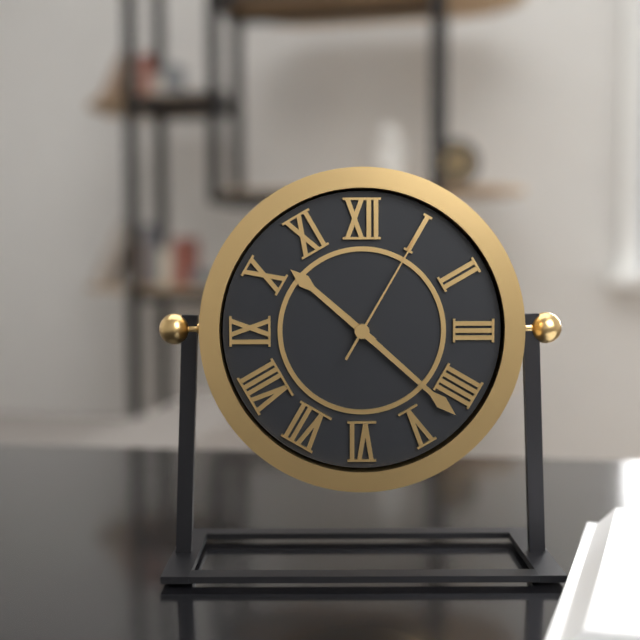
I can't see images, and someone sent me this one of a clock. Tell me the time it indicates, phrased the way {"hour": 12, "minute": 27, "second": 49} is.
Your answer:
{"hour": 10, "minute": 22, "second": 5}
